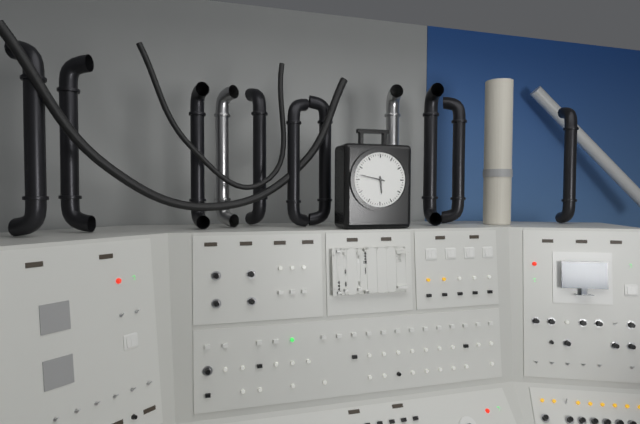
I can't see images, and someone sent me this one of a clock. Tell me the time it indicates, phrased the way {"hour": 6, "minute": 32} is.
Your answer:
{"hour": 5, "minute": 47}
